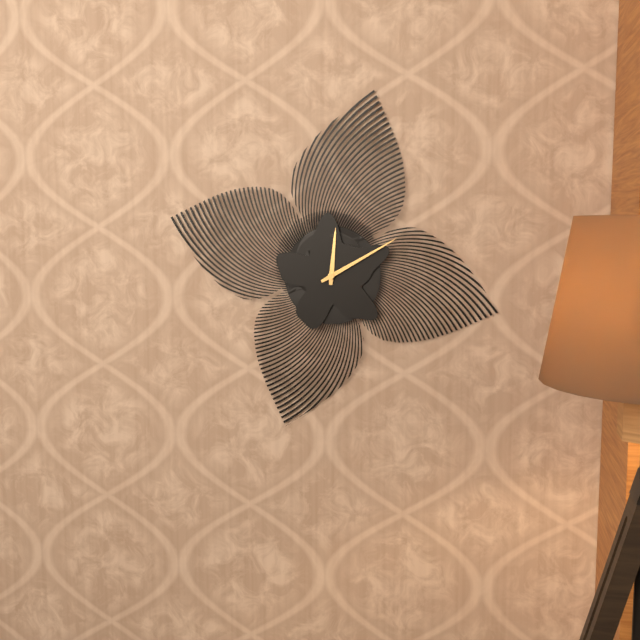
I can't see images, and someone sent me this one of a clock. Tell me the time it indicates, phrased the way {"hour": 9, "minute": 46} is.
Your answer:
{"hour": 12, "minute": 10}
